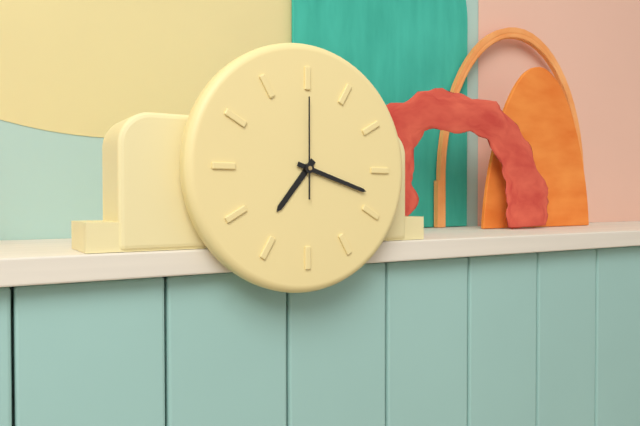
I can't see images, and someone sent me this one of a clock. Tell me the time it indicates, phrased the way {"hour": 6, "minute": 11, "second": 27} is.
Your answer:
{"hour": 7, "minute": 18, "second": 0}
